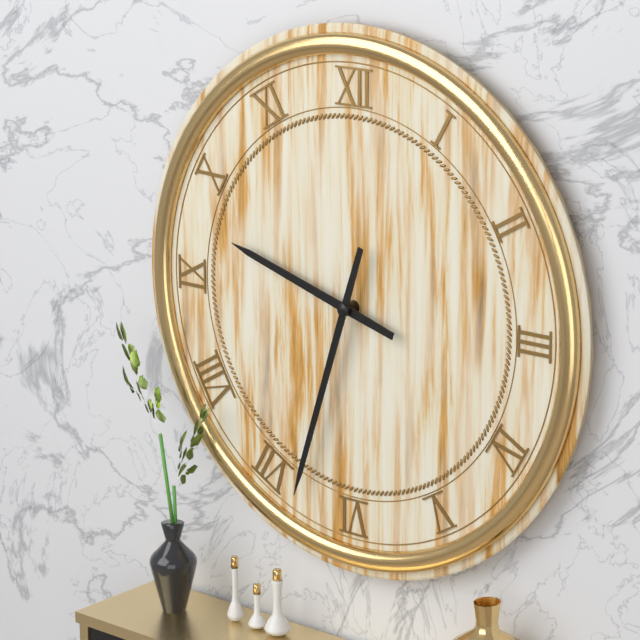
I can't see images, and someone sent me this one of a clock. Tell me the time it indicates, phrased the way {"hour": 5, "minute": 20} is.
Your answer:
{"hour": 9, "minute": 33}
